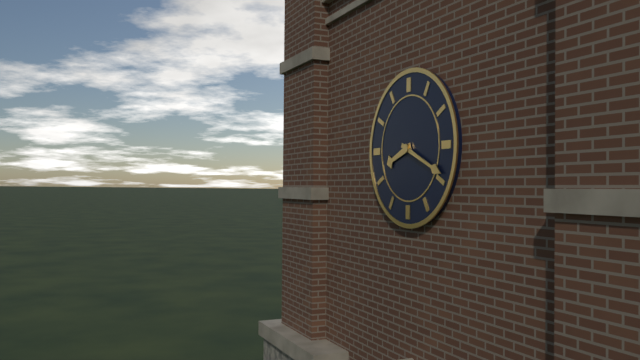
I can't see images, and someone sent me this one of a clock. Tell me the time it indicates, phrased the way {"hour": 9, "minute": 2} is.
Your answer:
{"hour": 8, "minute": 19}
